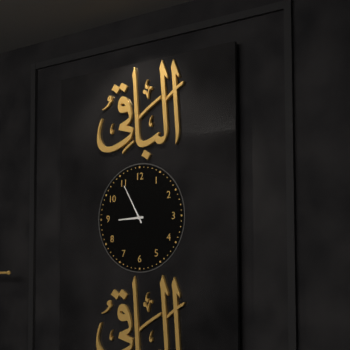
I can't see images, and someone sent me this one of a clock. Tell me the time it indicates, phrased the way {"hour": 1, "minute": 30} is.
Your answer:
{"hour": 8, "minute": 55}
